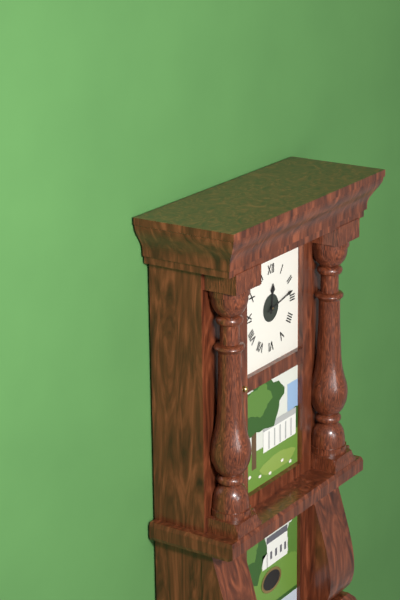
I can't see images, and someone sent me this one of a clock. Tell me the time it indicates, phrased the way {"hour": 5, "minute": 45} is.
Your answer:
{"hour": 12, "minute": 13}
